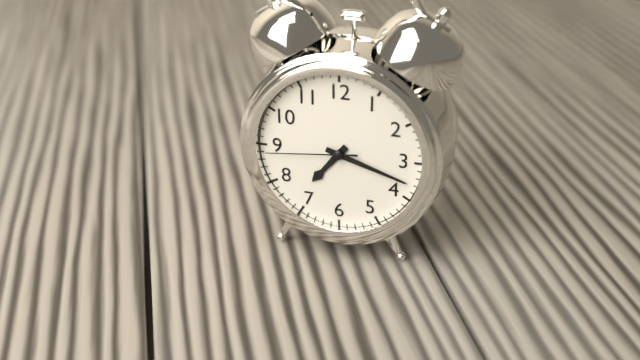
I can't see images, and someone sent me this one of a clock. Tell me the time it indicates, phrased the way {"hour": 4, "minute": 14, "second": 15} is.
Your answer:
{"hour": 7, "minute": 18, "second": 44}
